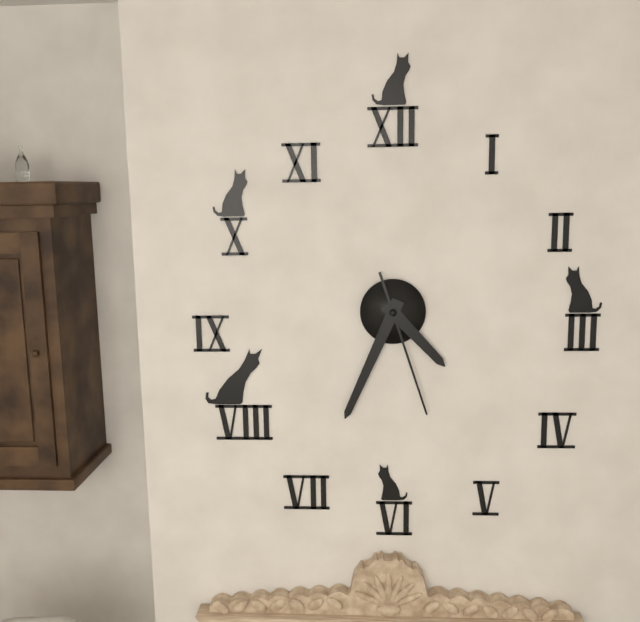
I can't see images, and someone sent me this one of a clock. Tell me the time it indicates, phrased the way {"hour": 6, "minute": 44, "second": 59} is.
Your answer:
{"hour": 4, "minute": 34, "second": 27}
